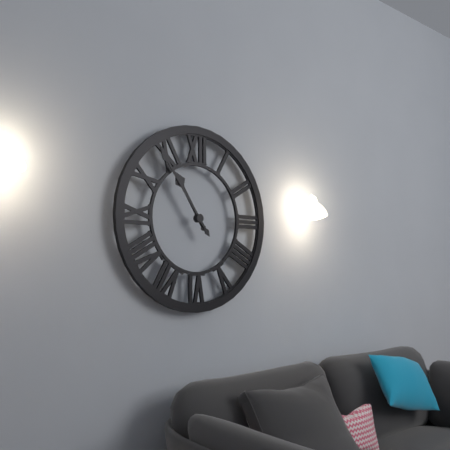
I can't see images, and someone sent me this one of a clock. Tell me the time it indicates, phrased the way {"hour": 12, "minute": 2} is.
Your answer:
{"hour": 10, "minute": 54}
